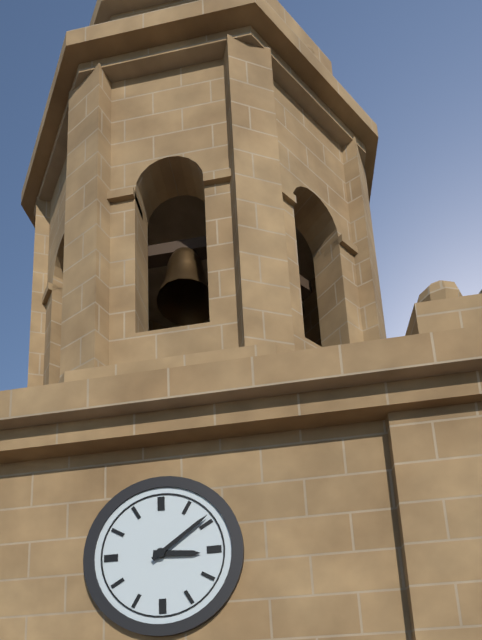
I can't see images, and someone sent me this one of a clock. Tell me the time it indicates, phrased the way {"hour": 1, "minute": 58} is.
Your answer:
{"hour": 3, "minute": 9}
